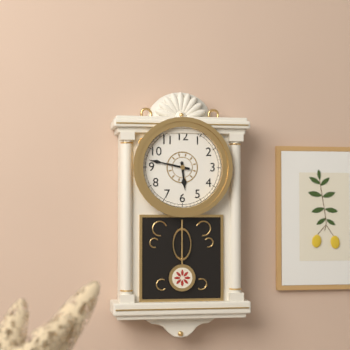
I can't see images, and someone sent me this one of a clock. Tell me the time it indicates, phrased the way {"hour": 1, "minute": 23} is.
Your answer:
{"hour": 5, "minute": 47}
